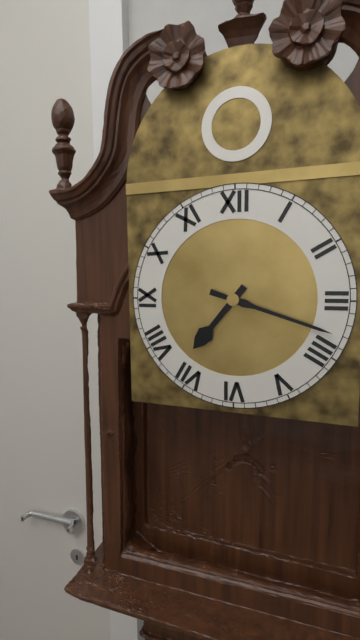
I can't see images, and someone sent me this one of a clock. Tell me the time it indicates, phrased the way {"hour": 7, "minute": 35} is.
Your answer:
{"hour": 7, "minute": 18}
